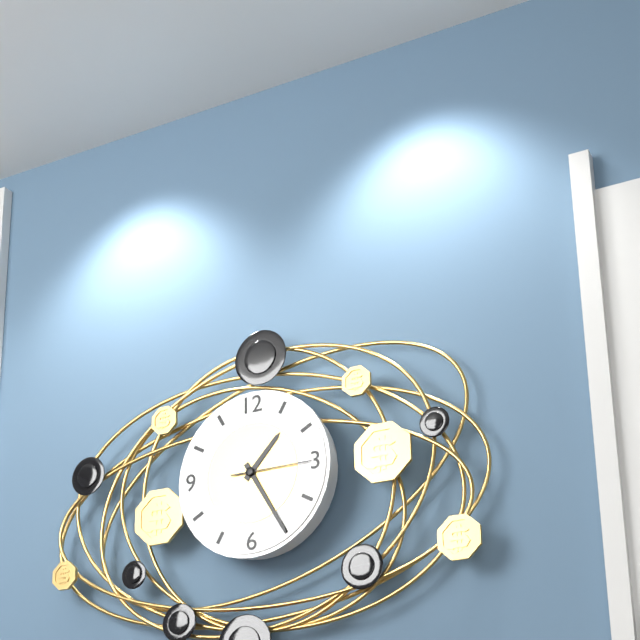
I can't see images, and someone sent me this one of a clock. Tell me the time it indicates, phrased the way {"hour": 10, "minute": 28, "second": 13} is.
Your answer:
{"hour": 1, "minute": 25, "second": 15}
